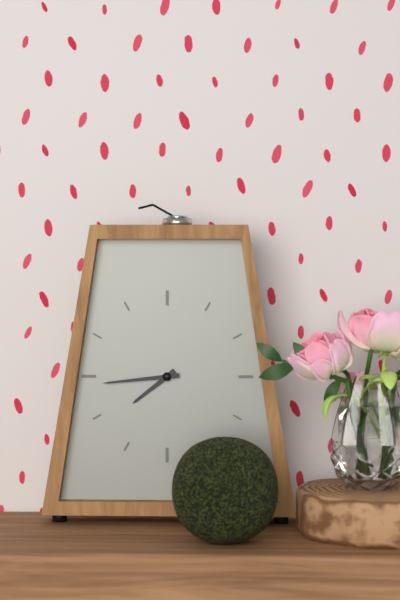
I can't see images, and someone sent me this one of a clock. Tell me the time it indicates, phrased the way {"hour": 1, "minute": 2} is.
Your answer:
{"hour": 7, "minute": 44}
